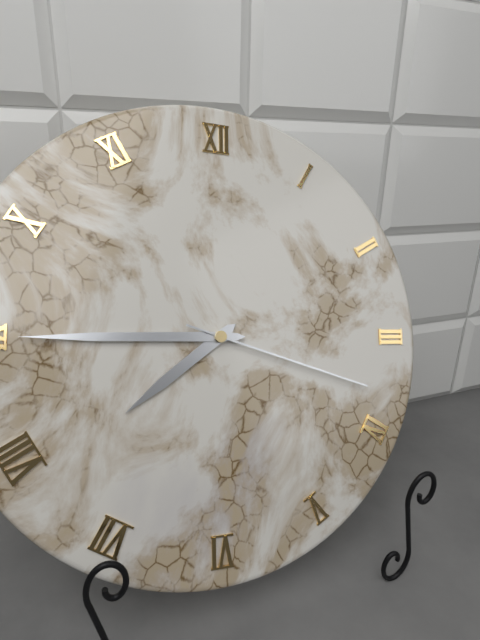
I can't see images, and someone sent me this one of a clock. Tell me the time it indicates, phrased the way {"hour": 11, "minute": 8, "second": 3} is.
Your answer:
{"hour": 7, "minute": 45, "second": 18}
